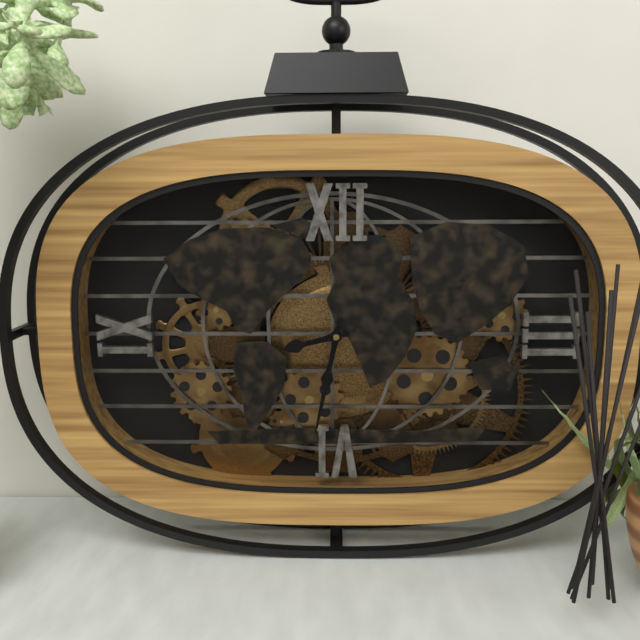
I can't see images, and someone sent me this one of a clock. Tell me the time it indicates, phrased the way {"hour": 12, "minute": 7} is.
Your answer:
{"hour": 8, "minute": 32}
